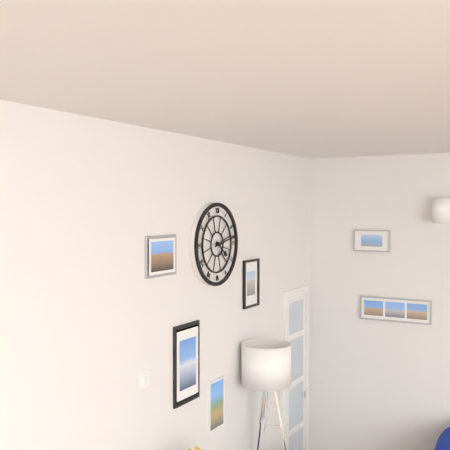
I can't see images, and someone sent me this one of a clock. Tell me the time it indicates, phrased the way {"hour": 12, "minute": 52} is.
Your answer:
{"hour": 4, "minute": 13}
